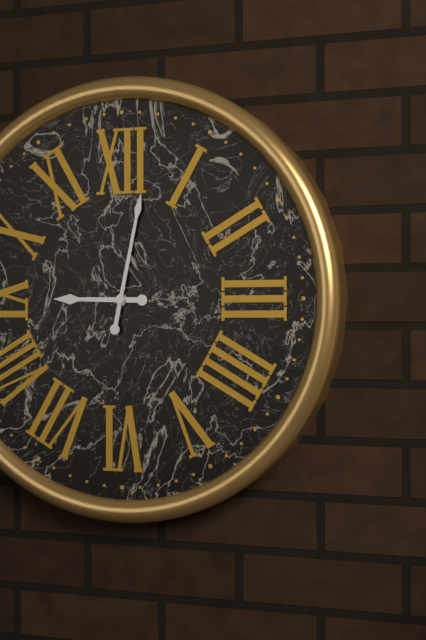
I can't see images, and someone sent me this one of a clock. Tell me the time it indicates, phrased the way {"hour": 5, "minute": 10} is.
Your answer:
{"hour": 9, "minute": 2}
